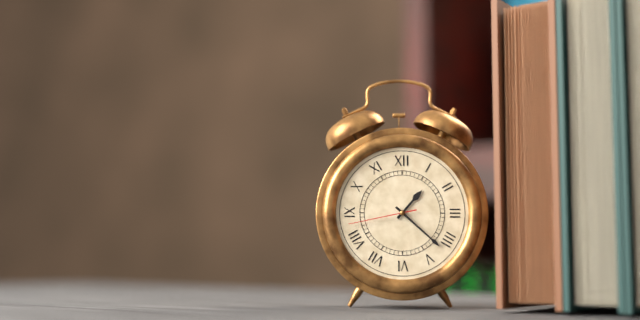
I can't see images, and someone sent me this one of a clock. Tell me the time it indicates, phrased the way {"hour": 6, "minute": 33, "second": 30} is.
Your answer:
{"hour": 1, "minute": 22, "second": 43}
